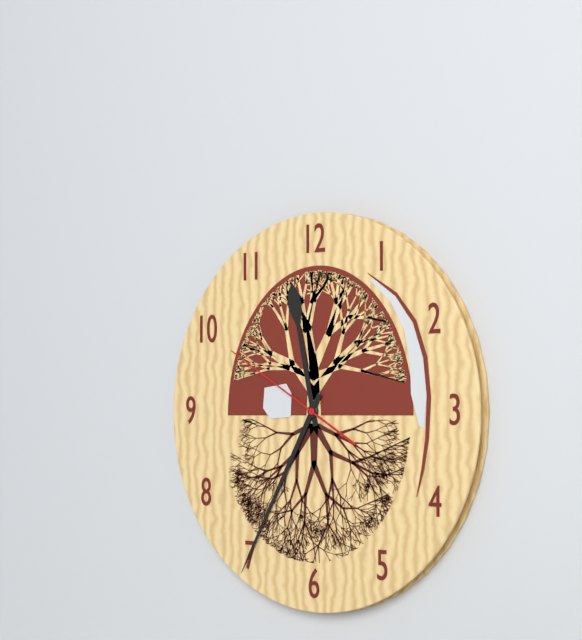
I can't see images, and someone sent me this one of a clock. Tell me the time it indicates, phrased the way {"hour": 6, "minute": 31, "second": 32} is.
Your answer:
{"hour": 11, "minute": 35, "second": 50}
